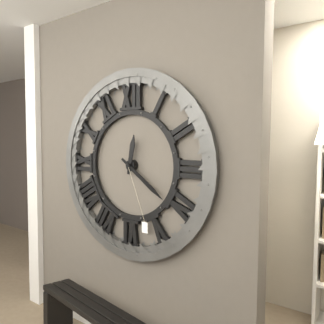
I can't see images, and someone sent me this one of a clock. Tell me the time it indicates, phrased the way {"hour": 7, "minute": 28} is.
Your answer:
{"hour": 12, "minute": 21}
